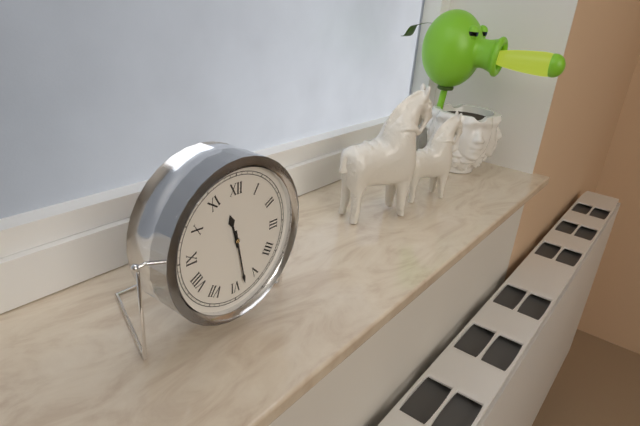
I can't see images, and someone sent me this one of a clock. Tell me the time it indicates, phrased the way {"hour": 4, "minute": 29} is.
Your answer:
{"hour": 11, "minute": 28}
